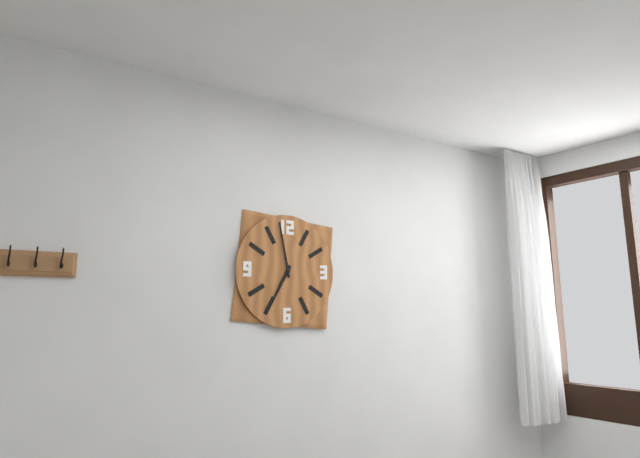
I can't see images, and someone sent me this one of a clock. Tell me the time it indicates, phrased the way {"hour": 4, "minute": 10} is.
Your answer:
{"hour": 6, "minute": 58}
